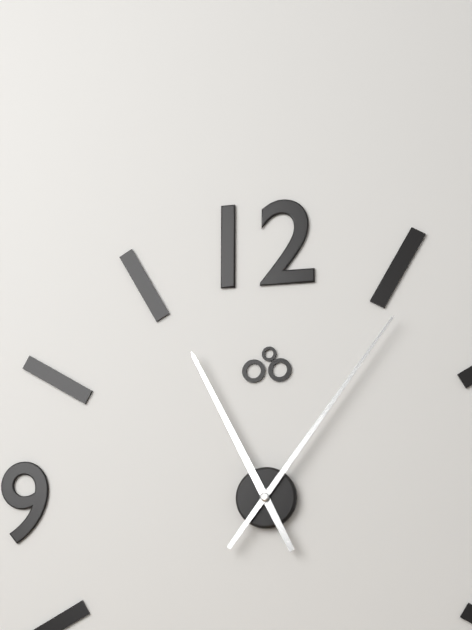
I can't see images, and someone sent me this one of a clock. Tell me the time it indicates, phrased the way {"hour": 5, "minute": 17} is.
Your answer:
{"hour": 11, "minute": 6}
